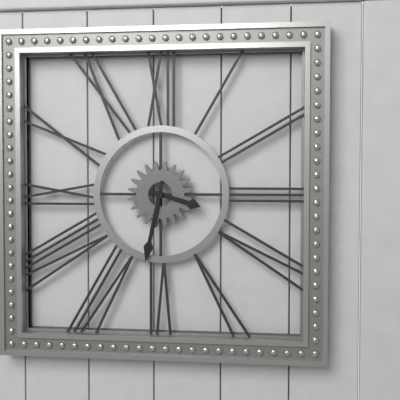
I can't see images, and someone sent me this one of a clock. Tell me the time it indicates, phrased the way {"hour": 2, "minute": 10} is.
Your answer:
{"hour": 3, "minute": 32}
